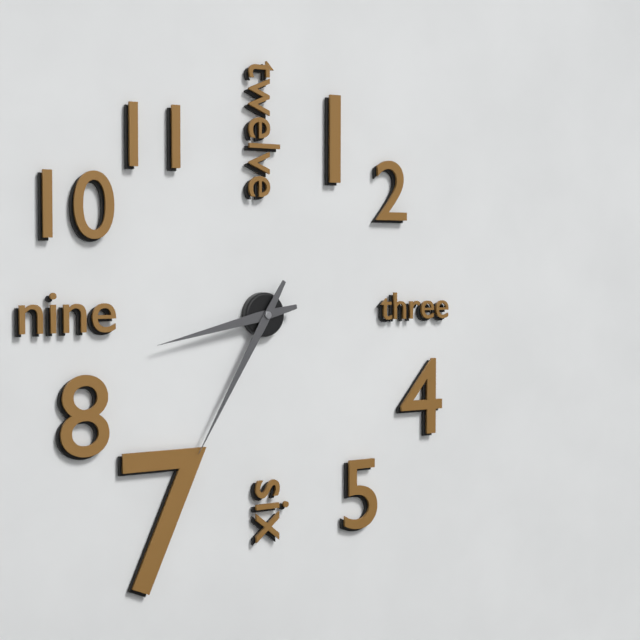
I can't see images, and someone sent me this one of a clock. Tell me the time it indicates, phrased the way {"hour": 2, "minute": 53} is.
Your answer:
{"hour": 8, "minute": 35}
